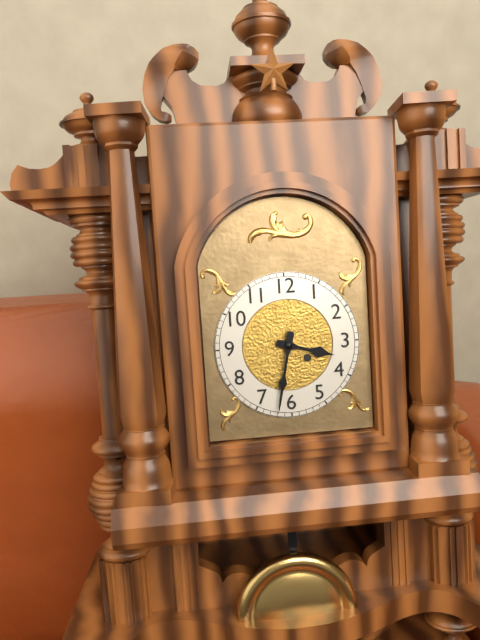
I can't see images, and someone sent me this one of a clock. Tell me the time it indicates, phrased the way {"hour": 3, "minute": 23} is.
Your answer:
{"hour": 3, "minute": 32}
